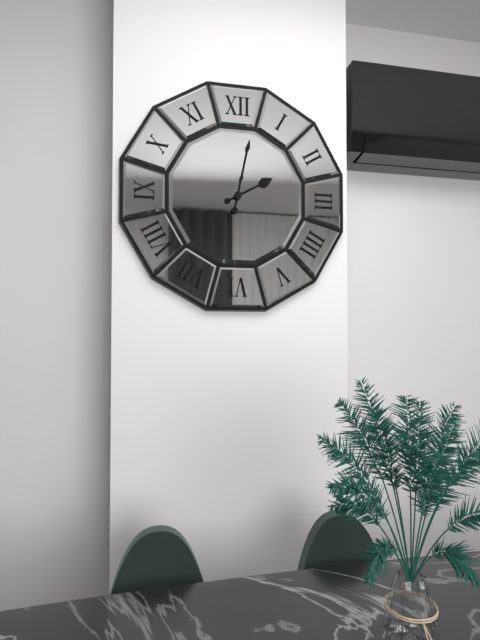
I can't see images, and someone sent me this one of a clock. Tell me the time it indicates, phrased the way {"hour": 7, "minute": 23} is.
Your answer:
{"hour": 2, "minute": 2}
